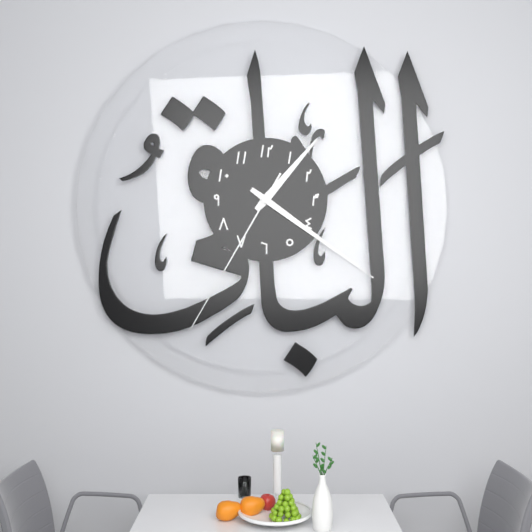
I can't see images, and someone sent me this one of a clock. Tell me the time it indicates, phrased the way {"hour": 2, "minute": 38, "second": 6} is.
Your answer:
{"hour": 1, "minute": 21, "second": 35}
